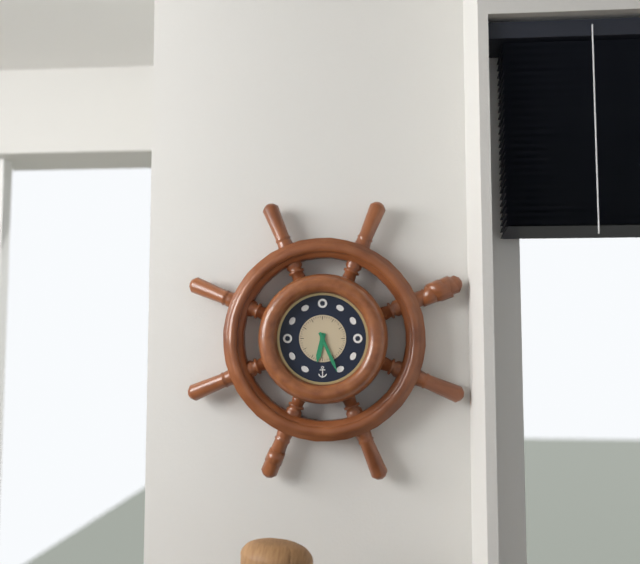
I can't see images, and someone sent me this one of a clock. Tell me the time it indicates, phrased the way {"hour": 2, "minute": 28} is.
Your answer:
{"hour": 6, "minute": 26}
